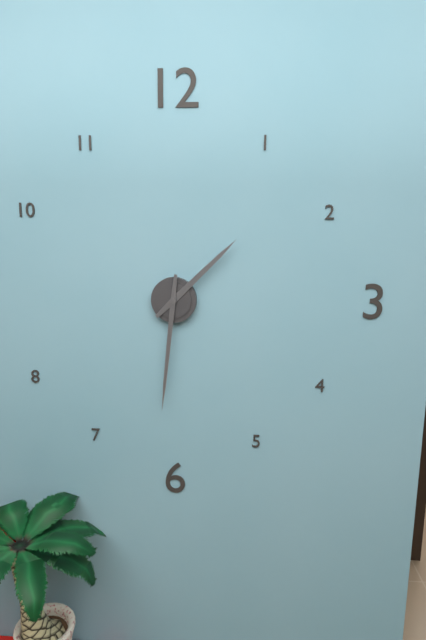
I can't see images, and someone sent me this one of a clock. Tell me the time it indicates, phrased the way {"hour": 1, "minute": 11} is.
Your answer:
{"hour": 1, "minute": 31}
